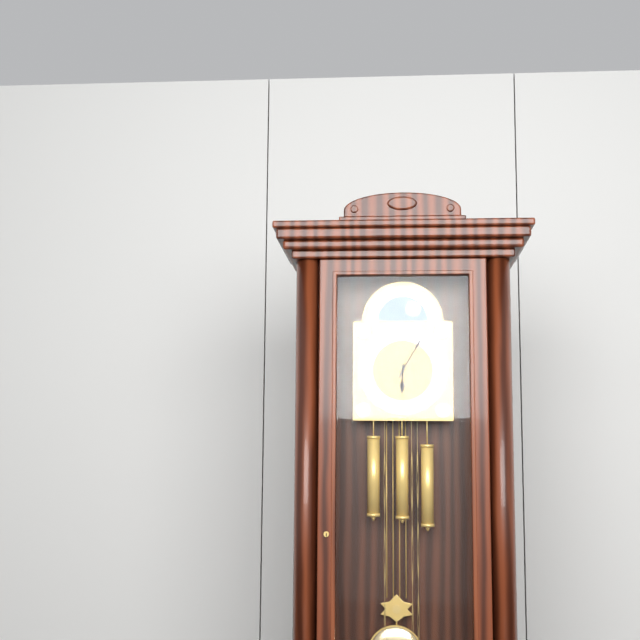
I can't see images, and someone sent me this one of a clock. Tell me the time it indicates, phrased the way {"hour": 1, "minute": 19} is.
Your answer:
{"hour": 6, "minute": 5}
